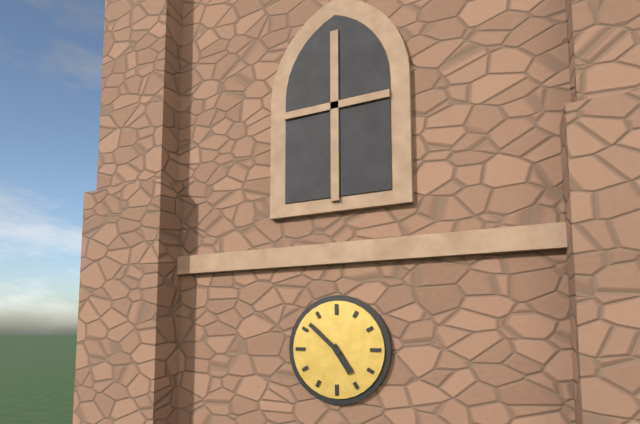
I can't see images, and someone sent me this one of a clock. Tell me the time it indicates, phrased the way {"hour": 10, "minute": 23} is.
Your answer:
{"hour": 4, "minute": 52}
